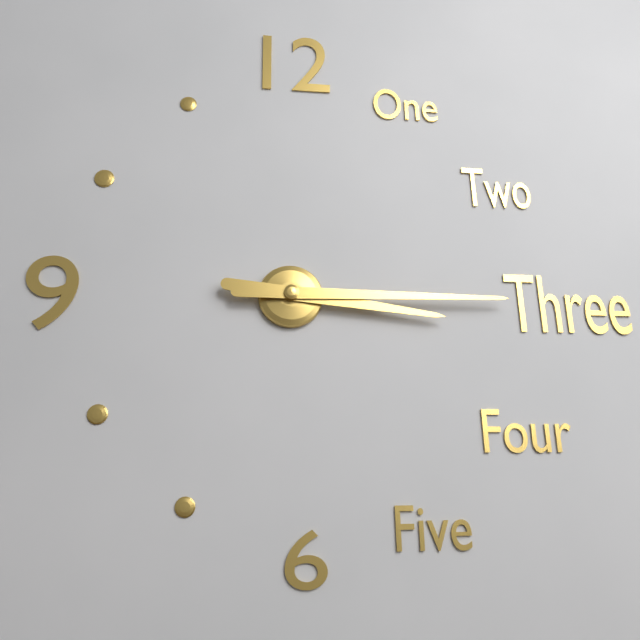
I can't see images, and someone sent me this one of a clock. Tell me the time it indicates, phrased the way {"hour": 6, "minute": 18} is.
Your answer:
{"hour": 3, "minute": 15}
